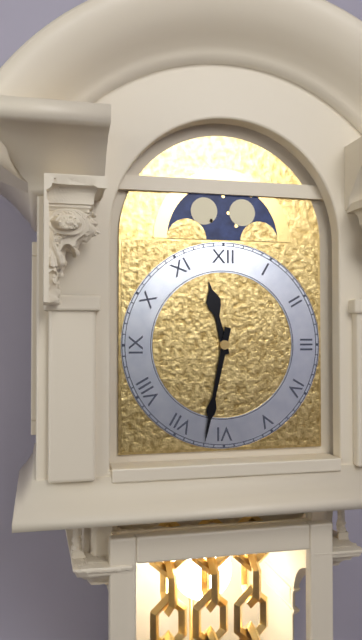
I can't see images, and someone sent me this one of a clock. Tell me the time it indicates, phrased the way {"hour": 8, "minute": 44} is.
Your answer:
{"hour": 11, "minute": 32}
